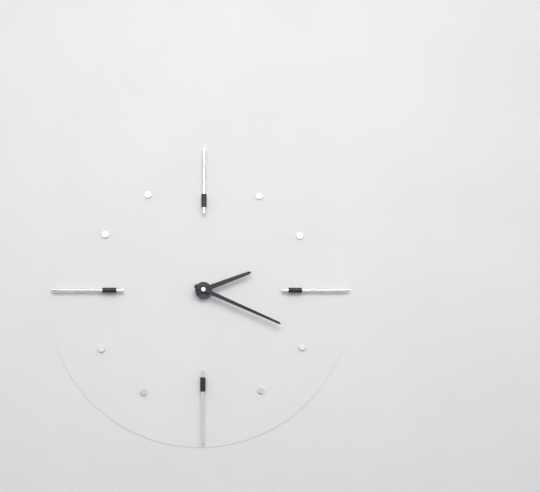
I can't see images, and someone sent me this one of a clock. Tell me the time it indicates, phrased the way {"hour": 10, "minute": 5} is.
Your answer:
{"hour": 2, "minute": 19}
